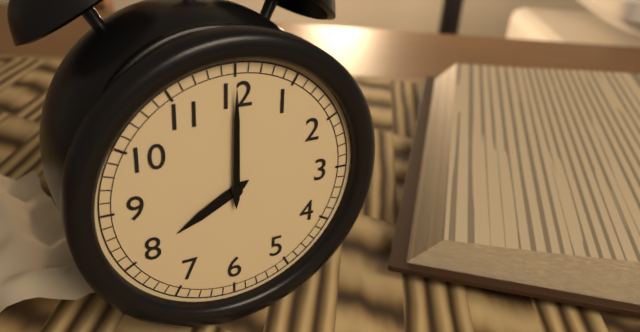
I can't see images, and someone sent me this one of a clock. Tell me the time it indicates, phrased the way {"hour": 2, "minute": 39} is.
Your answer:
{"hour": 8, "minute": 0}
